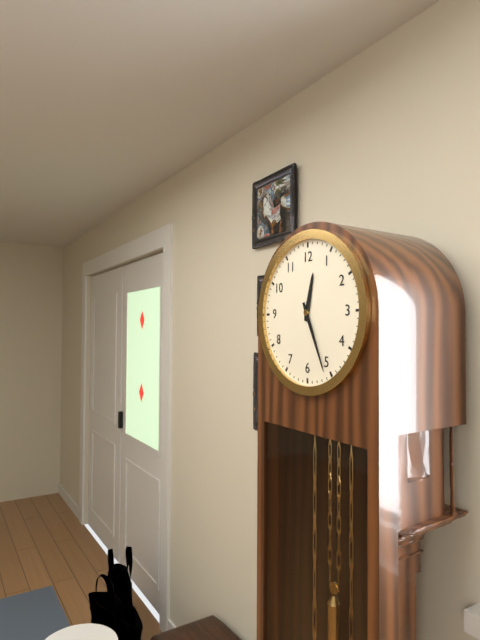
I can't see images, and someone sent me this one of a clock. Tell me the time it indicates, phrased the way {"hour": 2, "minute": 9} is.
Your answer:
{"hour": 12, "minute": 26}
